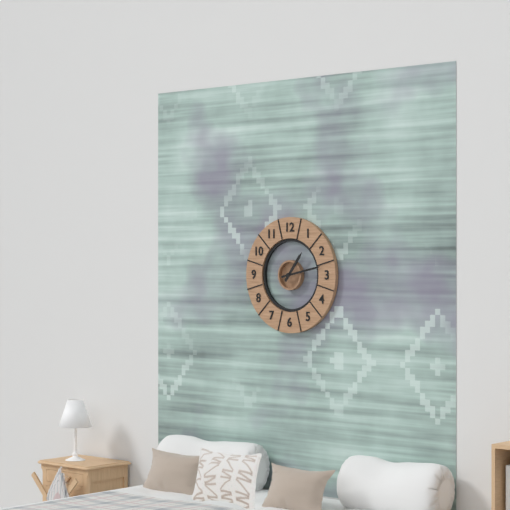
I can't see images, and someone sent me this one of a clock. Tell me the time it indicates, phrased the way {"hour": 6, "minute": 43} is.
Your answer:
{"hour": 1, "minute": 13}
